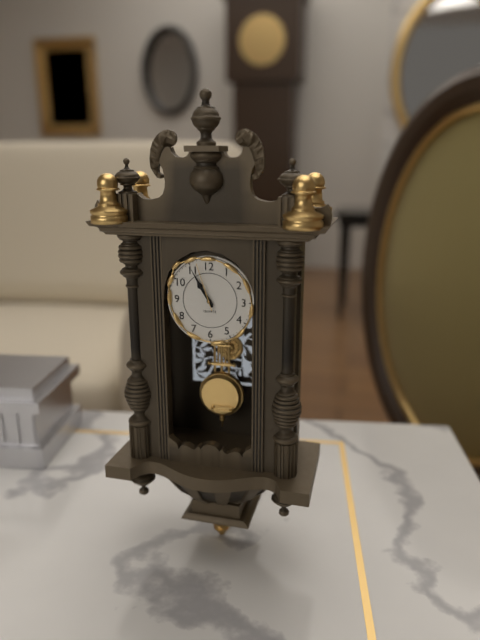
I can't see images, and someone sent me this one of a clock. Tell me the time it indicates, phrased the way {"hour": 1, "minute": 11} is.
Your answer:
{"hour": 10, "minute": 55}
